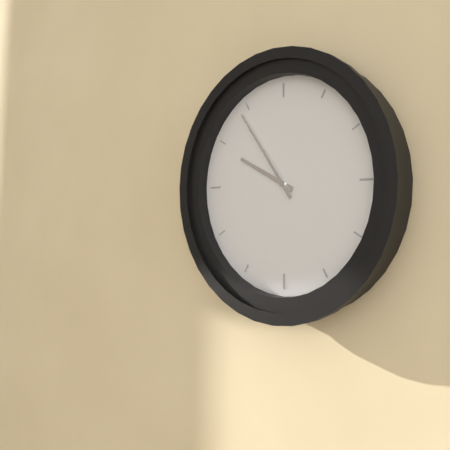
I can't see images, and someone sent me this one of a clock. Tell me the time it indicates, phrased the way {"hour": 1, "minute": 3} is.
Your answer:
{"hour": 9, "minute": 54}
